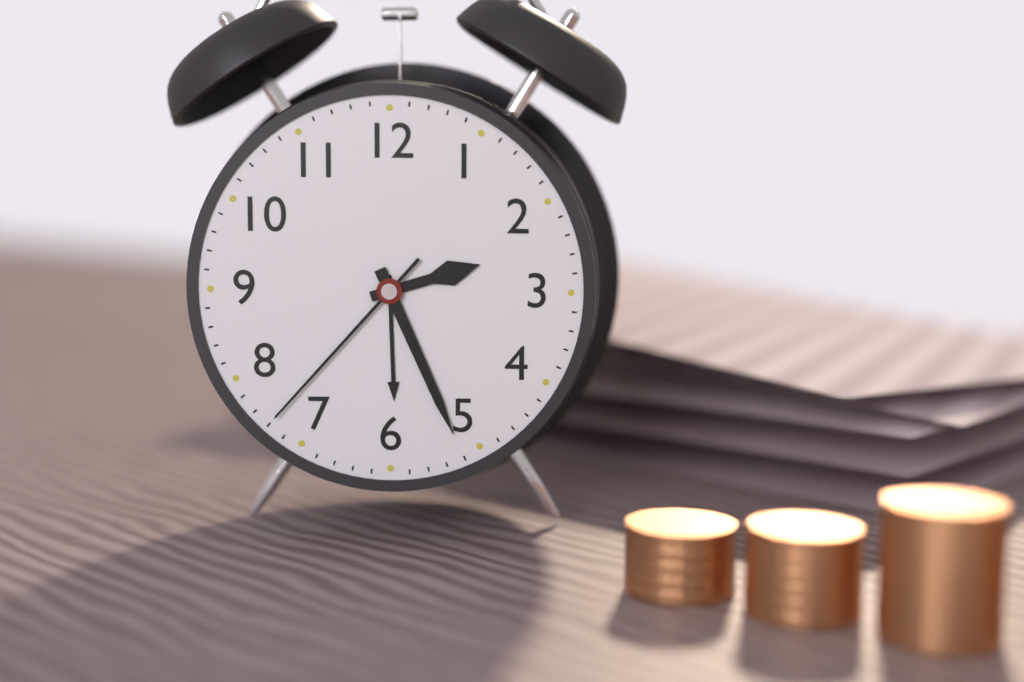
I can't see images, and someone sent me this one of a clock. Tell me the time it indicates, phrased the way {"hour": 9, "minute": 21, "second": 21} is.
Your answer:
{"hour": 2, "minute": 26, "second": 37}
